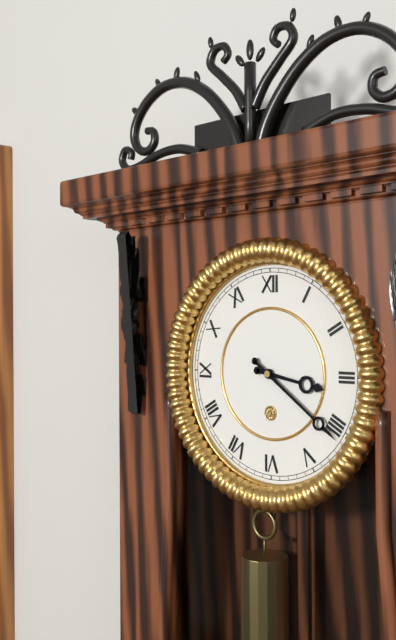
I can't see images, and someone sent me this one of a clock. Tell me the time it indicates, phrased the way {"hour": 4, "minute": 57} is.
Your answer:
{"hour": 3, "minute": 21}
